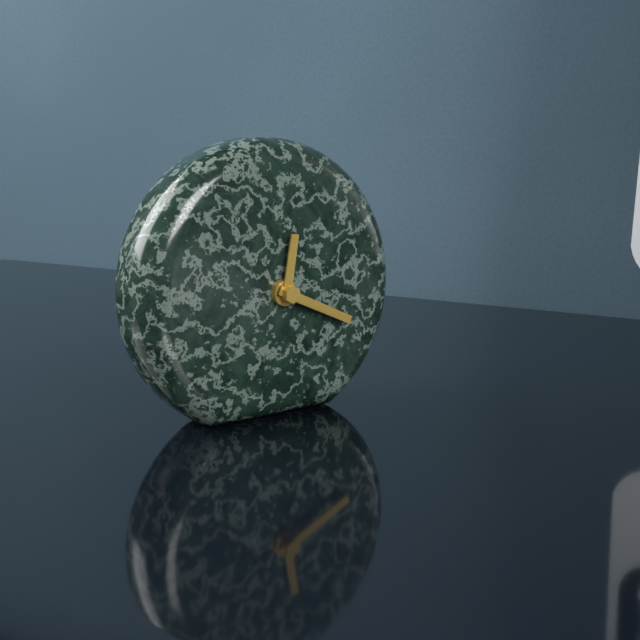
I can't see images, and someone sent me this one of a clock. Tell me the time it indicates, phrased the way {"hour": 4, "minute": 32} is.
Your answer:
{"hour": 12, "minute": 19}
